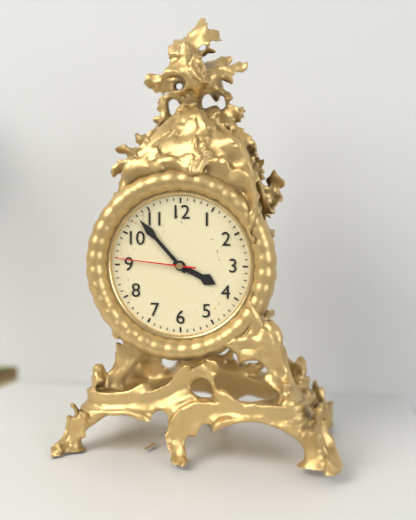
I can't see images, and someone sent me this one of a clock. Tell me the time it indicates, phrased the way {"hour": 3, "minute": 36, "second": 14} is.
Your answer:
{"hour": 3, "minute": 53, "second": 46}
